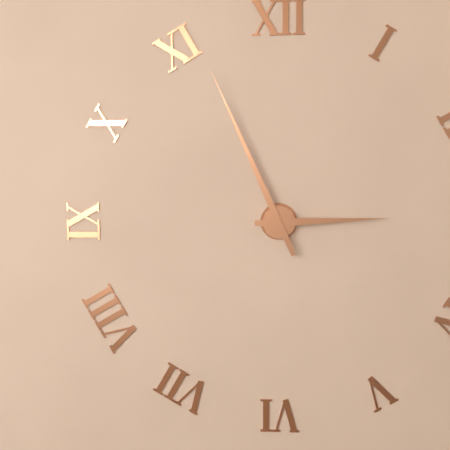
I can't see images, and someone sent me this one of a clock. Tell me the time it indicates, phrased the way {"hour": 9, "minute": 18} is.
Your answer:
{"hour": 2, "minute": 56}
